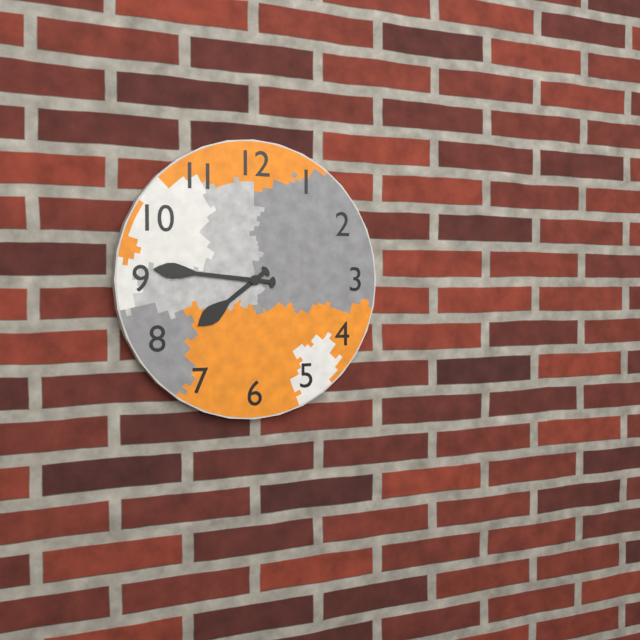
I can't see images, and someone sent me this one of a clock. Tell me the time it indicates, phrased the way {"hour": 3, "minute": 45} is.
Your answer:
{"hour": 7, "minute": 46}
